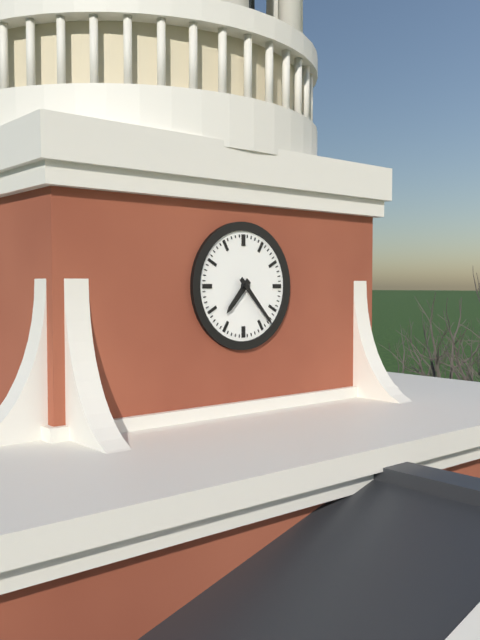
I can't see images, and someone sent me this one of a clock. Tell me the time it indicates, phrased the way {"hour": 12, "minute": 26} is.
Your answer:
{"hour": 7, "minute": 23}
